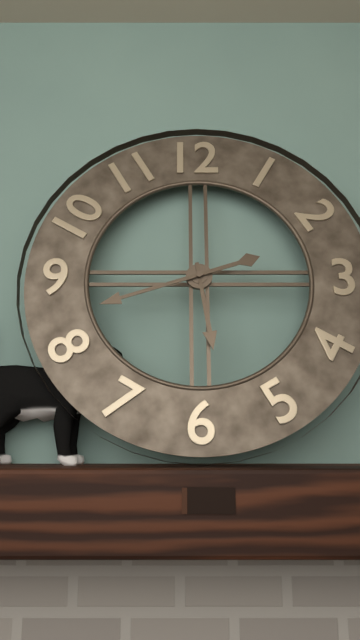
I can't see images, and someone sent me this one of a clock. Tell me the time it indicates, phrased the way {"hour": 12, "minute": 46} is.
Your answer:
{"hour": 5, "minute": 42}
